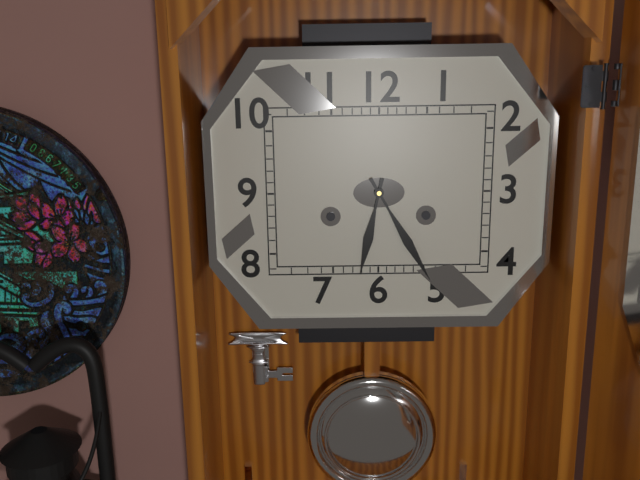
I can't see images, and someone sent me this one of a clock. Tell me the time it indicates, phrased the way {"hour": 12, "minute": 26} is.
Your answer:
{"hour": 6, "minute": 25}
